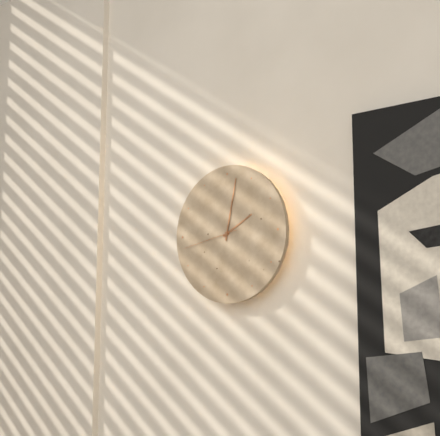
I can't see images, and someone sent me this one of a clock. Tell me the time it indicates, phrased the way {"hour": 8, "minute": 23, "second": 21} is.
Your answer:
{"hour": 2, "minute": 2, "second": 43}
